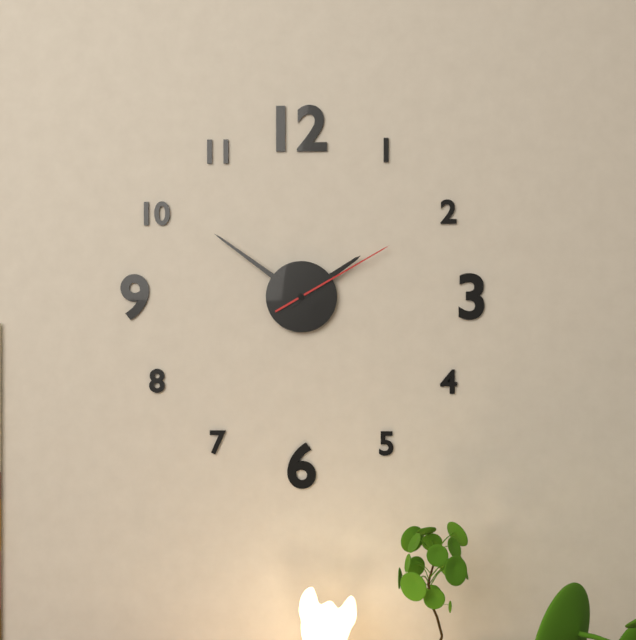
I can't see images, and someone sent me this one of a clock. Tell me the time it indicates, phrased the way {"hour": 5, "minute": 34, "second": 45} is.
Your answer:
{"hour": 1, "minute": 51, "second": 10}
